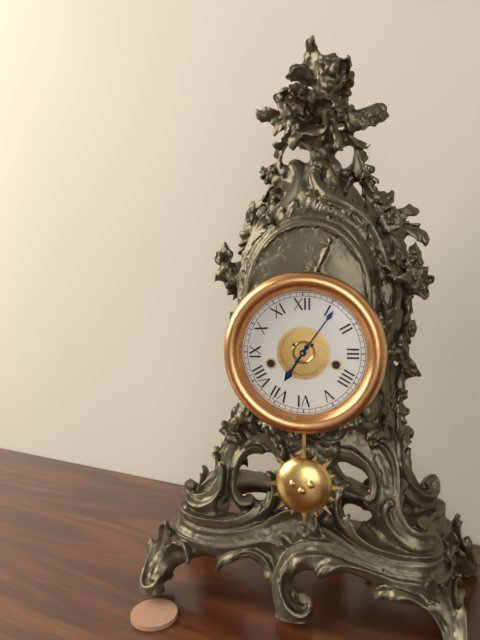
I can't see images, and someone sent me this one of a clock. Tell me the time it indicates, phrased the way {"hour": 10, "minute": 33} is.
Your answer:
{"hour": 7, "minute": 6}
